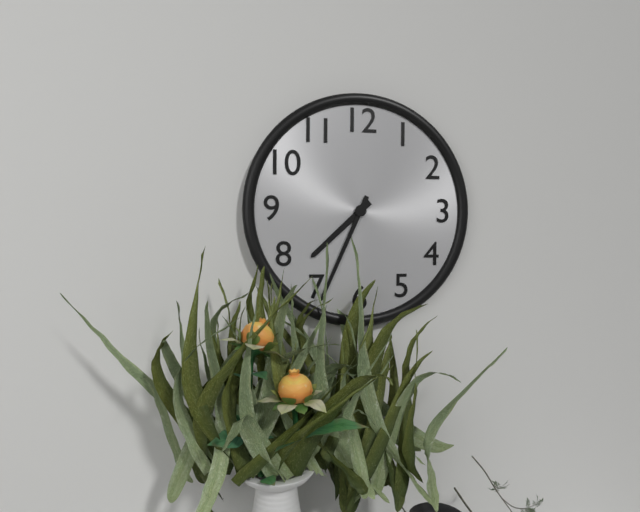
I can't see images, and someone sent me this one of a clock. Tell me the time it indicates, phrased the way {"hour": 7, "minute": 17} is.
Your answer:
{"hour": 7, "minute": 34}
